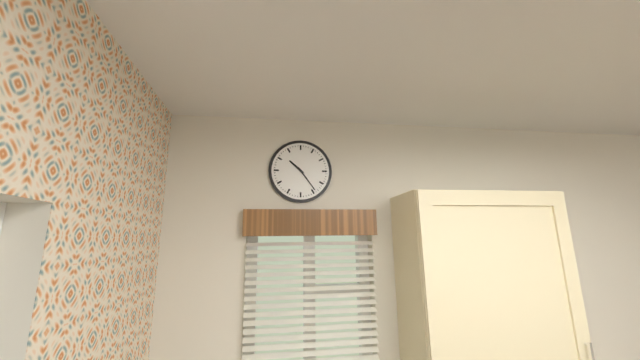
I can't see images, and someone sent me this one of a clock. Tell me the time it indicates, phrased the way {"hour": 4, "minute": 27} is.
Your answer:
{"hour": 10, "minute": 24}
